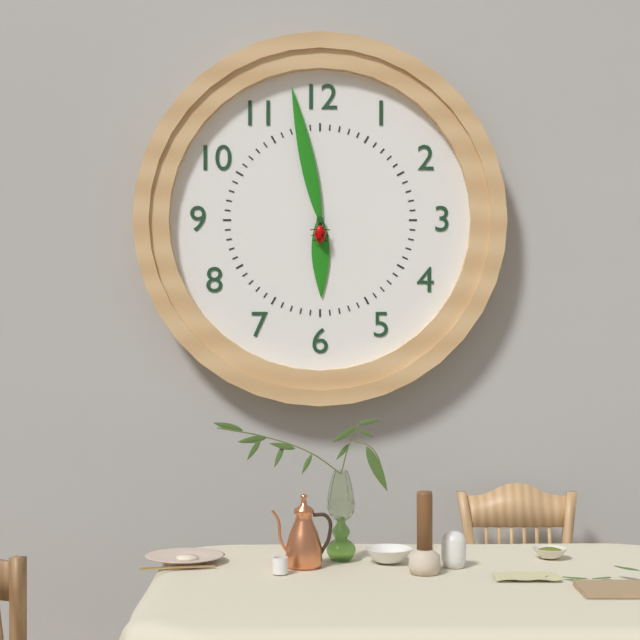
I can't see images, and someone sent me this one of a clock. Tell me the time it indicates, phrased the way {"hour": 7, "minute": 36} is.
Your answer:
{"hour": 5, "minute": 58}
